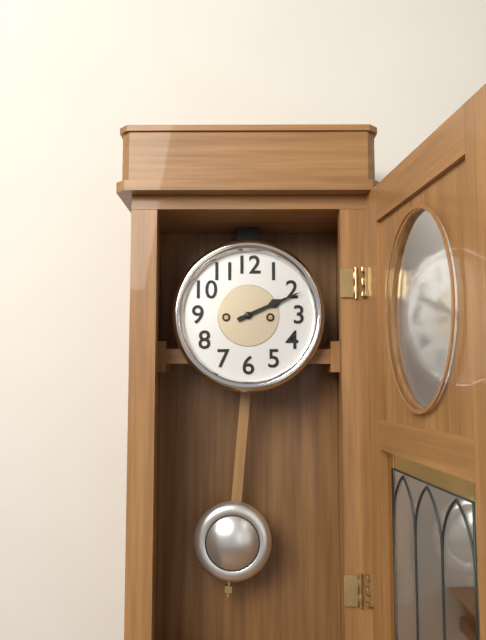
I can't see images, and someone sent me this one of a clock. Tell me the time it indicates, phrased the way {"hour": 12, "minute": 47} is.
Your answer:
{"hour": 2, "minute": 11}
